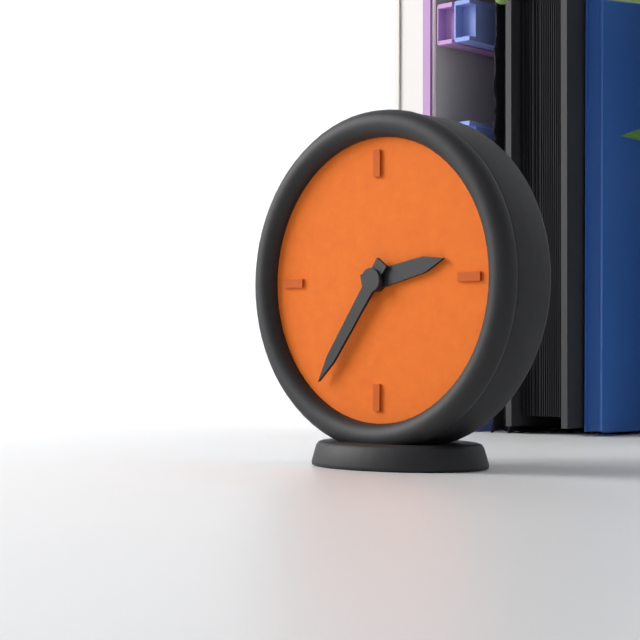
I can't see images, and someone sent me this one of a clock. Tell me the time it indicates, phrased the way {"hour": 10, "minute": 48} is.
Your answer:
{"hour": 2, "minute": 36}
